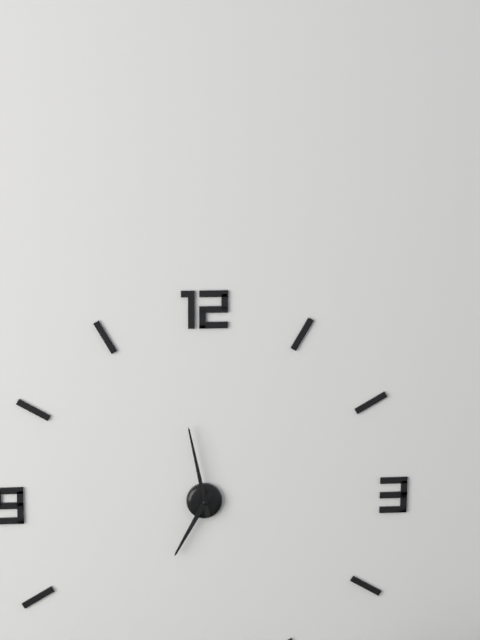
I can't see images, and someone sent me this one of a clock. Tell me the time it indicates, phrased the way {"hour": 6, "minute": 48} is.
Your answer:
{"hour": 6, "minute": 58}
